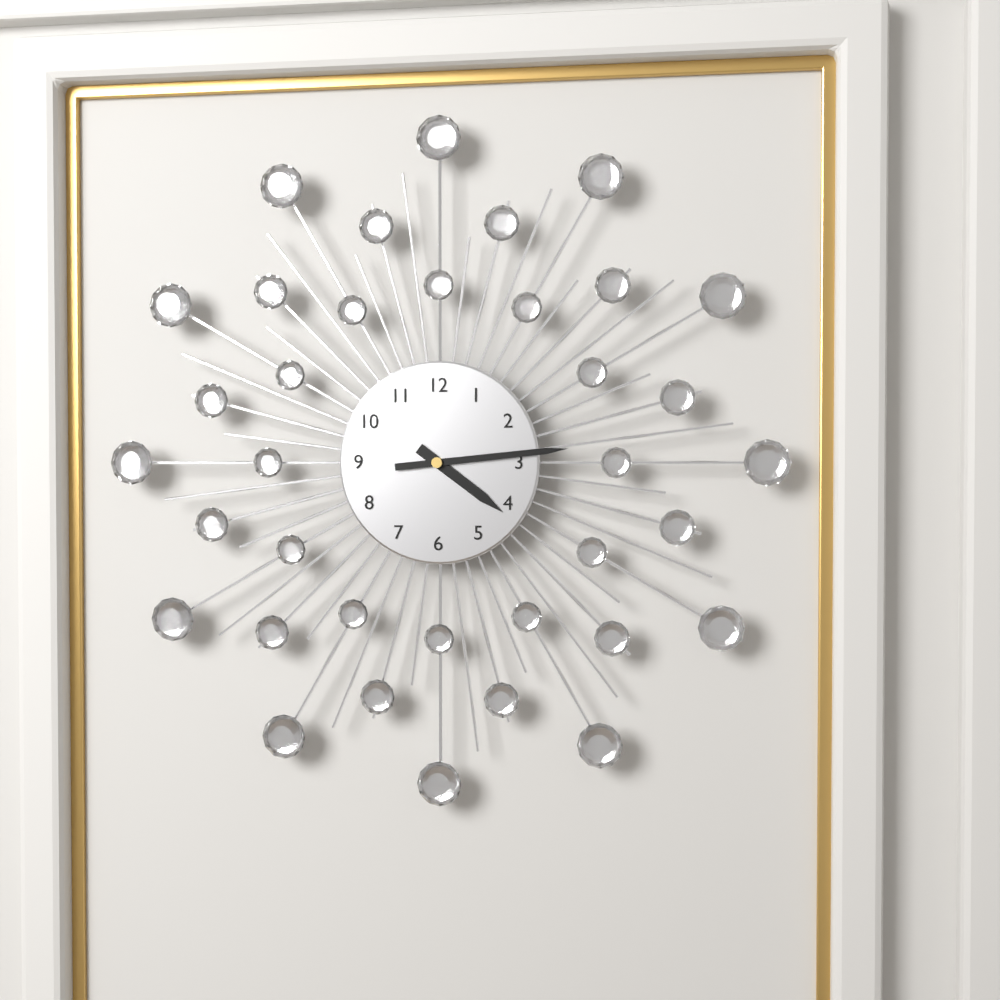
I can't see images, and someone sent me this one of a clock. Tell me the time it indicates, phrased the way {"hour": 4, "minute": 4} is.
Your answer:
{"hour": 4, "minute": 14}
